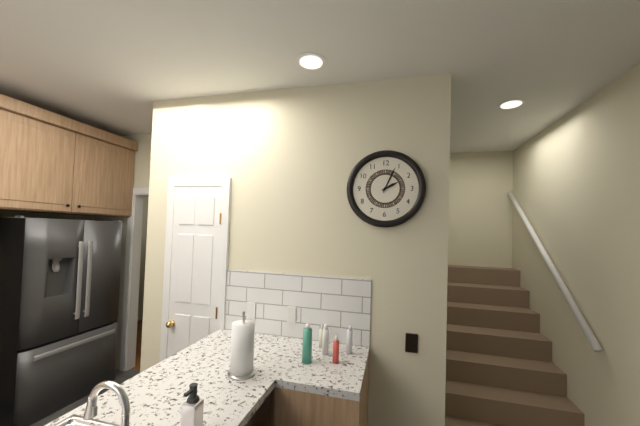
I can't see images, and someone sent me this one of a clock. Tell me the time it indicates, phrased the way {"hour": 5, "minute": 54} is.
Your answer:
{"hour": 2, "minute": 4}
